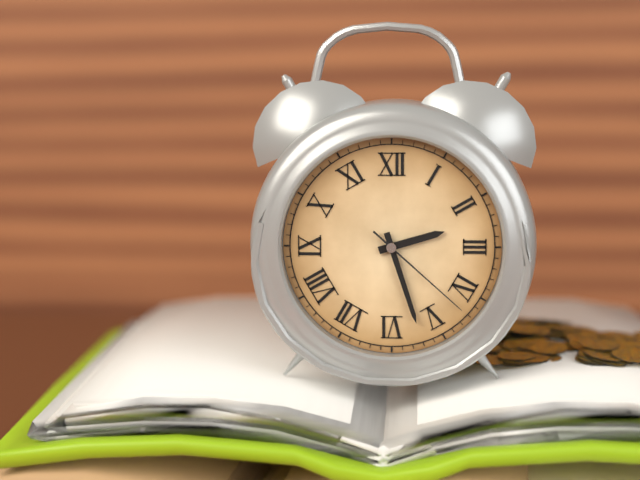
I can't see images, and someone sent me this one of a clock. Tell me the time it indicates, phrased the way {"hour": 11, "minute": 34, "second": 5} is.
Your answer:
{"hour": 2, "minute": 27, "second": 22}
